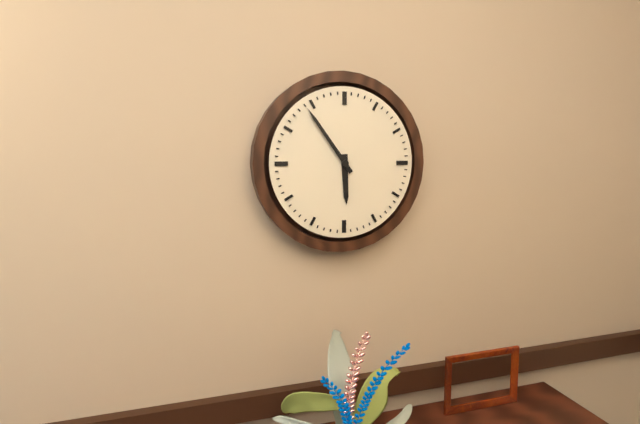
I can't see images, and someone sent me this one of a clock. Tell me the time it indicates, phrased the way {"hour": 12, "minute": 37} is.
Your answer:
{"hour": 5, "minute": 54}
